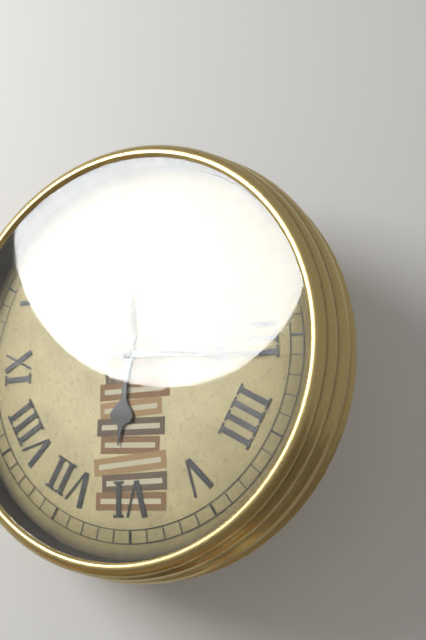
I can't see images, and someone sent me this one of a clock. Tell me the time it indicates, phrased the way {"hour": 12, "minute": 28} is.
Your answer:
{"hour": 6, "minute": 16}
